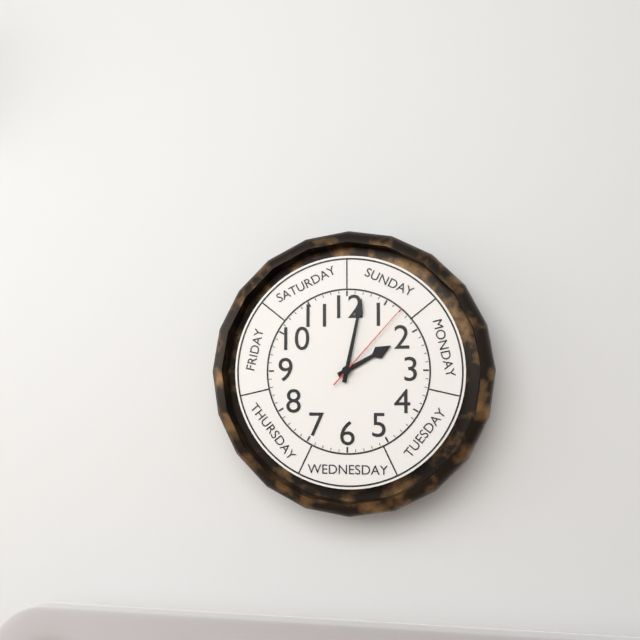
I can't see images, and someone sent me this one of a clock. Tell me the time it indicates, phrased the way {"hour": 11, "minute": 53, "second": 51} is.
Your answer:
{"hour": 2, "minute": 2, "second": 7}
